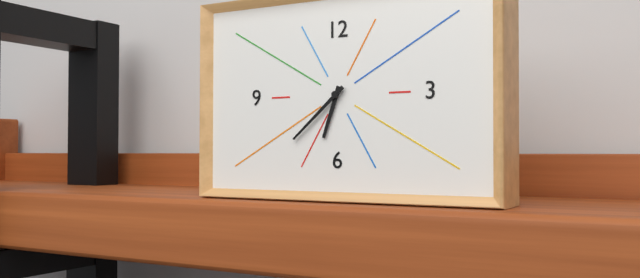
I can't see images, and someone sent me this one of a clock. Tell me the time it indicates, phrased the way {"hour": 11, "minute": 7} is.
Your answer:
{"hour": 6, "minute": 38}
